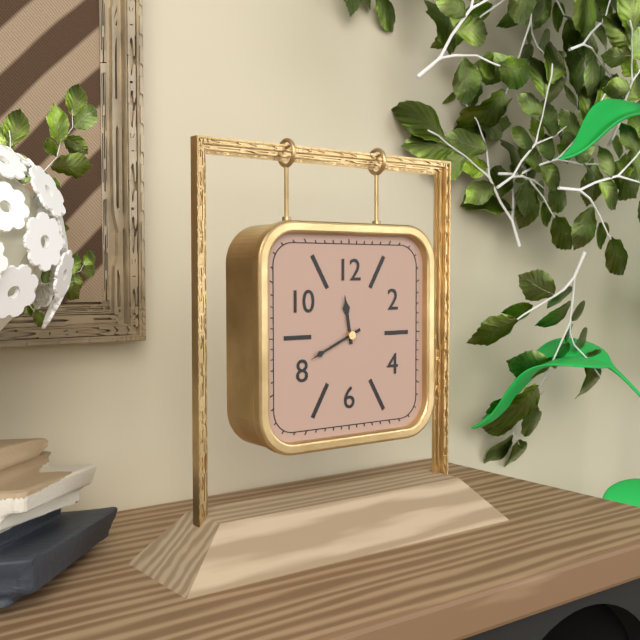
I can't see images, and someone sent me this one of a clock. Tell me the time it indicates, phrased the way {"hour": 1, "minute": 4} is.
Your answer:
{"hour": 11, "minute": 41}
